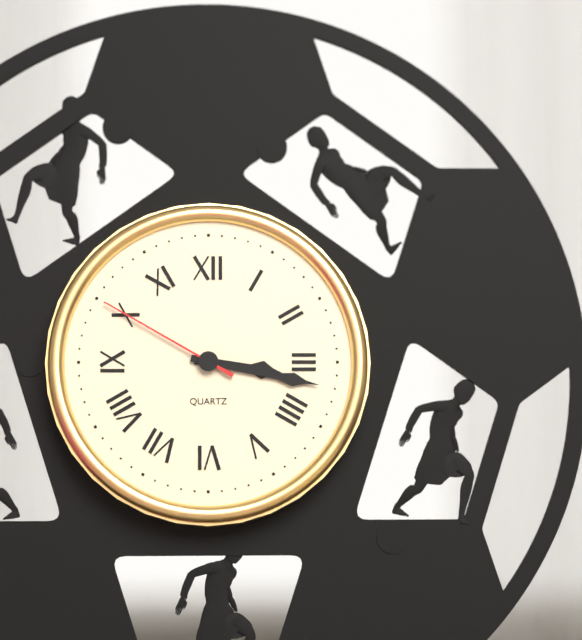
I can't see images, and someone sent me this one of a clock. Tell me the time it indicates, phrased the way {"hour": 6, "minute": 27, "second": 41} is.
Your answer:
{"hour": 3, "minute": 17, "second": 50}
